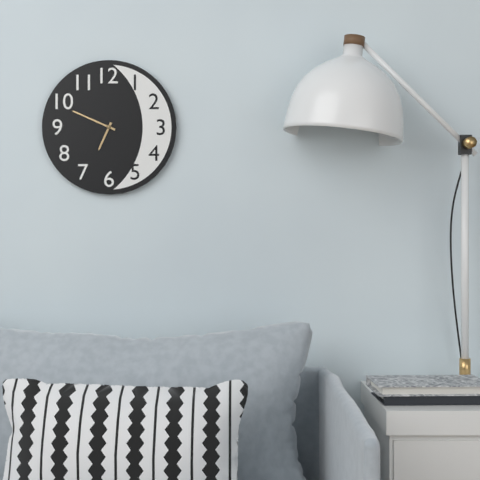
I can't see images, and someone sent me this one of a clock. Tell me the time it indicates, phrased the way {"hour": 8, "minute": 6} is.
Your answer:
{"hour": 6, "minute": 49}
